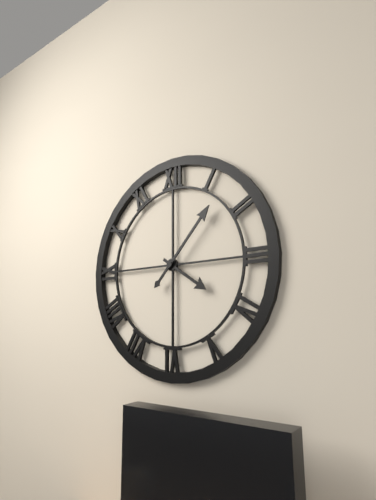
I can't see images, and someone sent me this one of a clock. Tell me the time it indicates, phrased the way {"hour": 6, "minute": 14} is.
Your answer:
{"hour": 4, "minute": 7}
